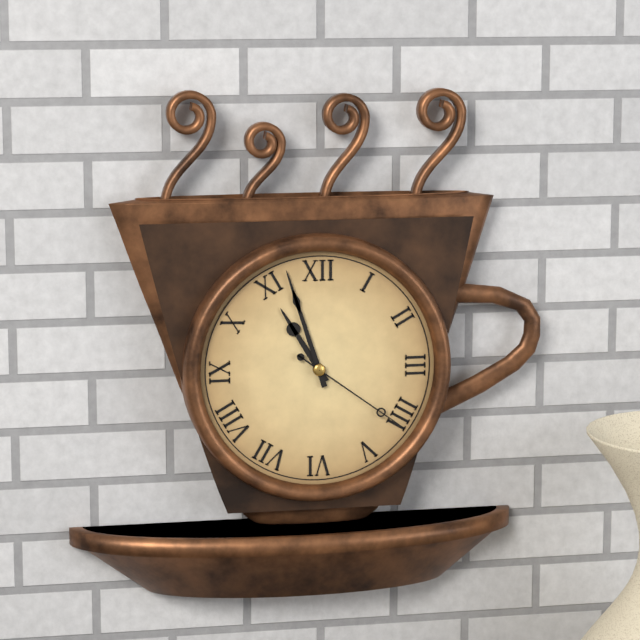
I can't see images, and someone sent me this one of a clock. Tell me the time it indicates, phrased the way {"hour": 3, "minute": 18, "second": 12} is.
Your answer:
{"hour": 10, "minute": 57, "second": 21}
